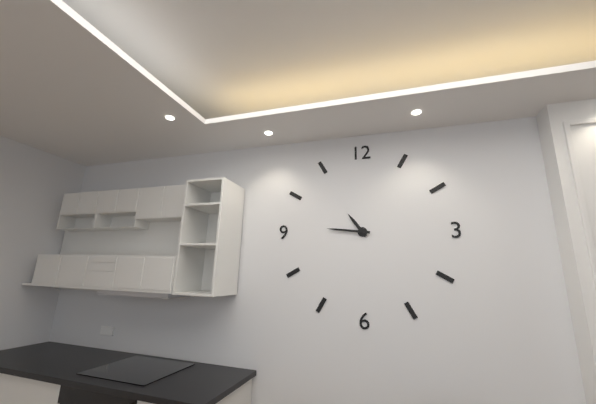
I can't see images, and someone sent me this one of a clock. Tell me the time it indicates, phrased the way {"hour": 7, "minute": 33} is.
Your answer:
{"hour": 10, "minute": 46}
